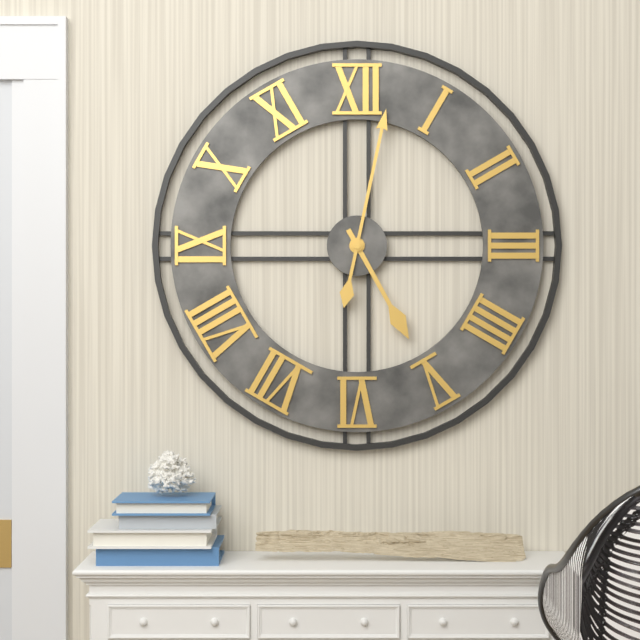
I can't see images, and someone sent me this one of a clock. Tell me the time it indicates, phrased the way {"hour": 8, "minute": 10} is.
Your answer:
{"hour": 5, "minute": 2}
